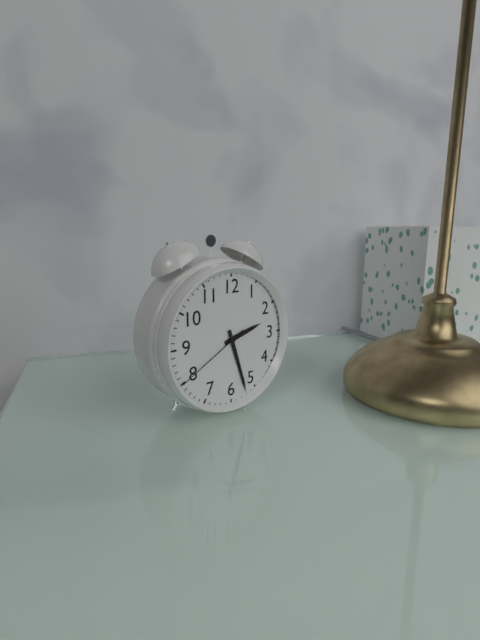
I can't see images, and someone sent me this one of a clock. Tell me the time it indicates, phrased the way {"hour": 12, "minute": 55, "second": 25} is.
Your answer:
{"hour": 2, "minute": 27, "second": 40}
